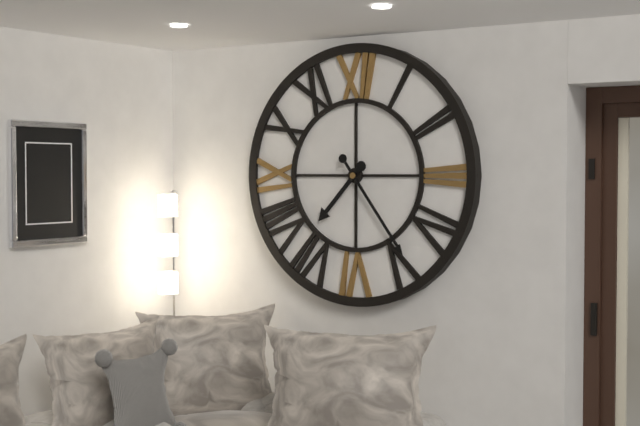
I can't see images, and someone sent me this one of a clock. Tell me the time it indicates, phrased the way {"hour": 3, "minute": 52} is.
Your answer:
{"hour": 7, "minute": 24}
